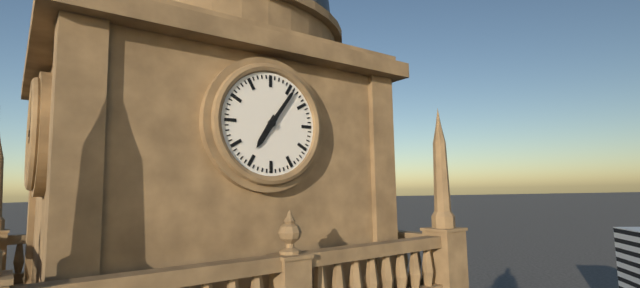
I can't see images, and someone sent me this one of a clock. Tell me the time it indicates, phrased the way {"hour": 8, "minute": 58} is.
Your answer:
{"hour": 7, "minute": 6}
